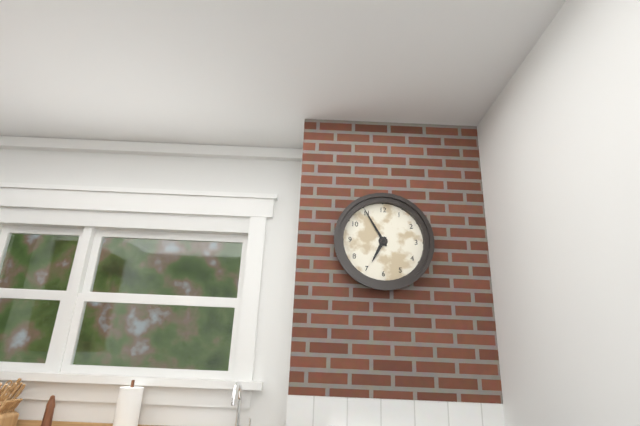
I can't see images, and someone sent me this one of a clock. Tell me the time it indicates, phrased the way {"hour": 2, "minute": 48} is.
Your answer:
{"hour": 6, "minute": 55}
